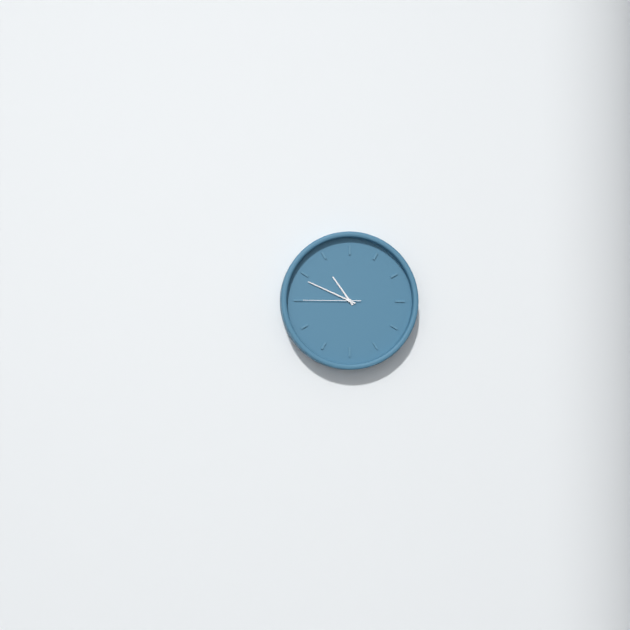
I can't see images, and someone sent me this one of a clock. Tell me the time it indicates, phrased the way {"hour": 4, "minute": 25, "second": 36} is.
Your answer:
{"hour": 10, "minute": 49, "second": 45}
